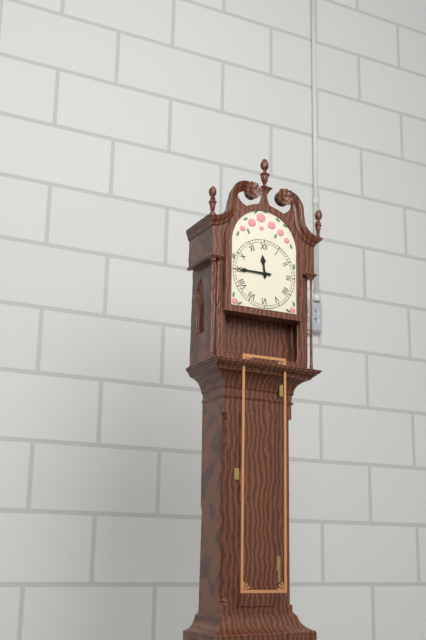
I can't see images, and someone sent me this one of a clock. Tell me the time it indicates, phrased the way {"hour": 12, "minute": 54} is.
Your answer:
{"hour": 11, "minute": 45}
